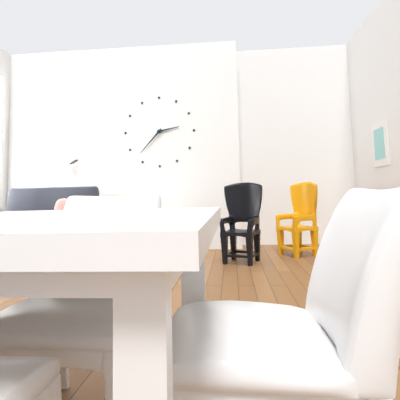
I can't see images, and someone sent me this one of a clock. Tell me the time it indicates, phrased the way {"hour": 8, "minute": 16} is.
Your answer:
{"hour": 2, "minute": 37}
